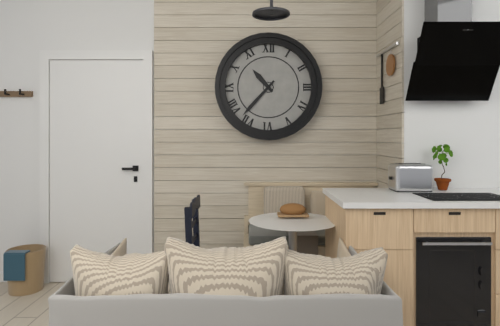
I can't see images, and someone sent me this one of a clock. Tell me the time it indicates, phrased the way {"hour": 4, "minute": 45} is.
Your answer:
{"hour": 10, "minute": 37}
